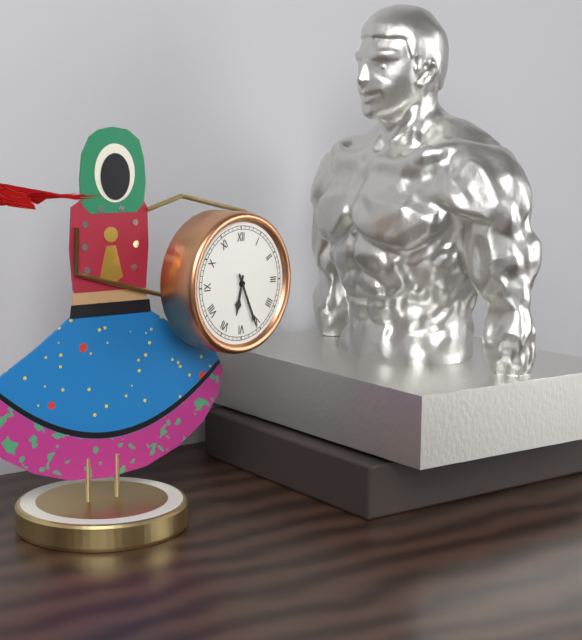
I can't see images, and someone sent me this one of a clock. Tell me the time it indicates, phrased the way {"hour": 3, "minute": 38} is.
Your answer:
{"hour": 6, "minute": 26}
